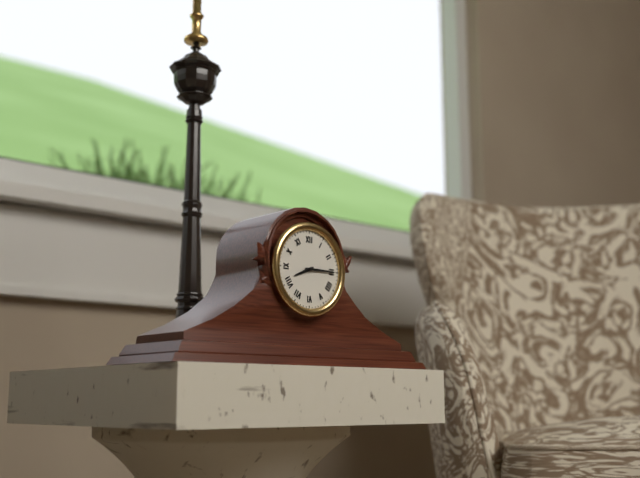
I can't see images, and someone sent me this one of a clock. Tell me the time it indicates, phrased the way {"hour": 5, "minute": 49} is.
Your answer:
{"hour": 8, "minute": 15}
